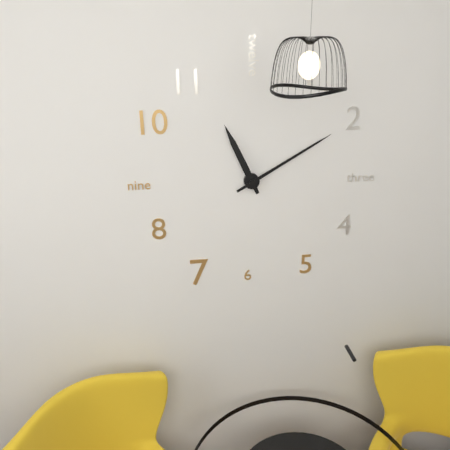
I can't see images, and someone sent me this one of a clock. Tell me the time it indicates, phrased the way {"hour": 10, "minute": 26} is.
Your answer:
{"hour": 11, "minute": 10}
